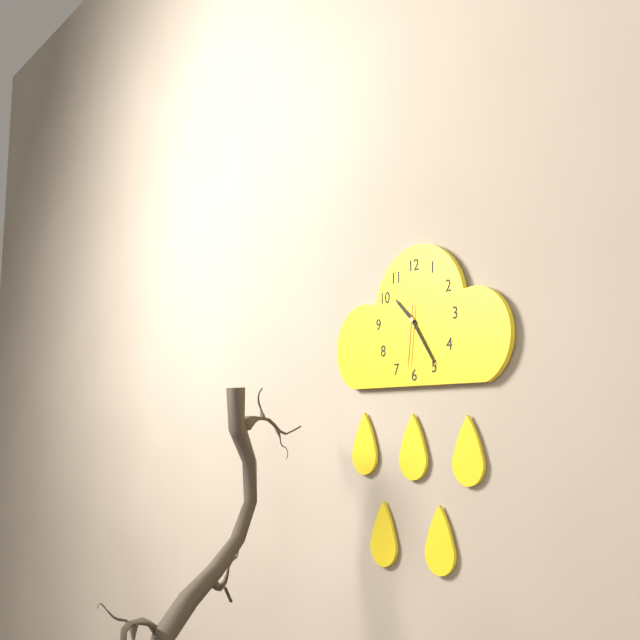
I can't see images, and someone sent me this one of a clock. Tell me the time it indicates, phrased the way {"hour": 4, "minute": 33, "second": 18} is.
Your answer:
{"hour": 10, "minute": 24, "second": 31}
